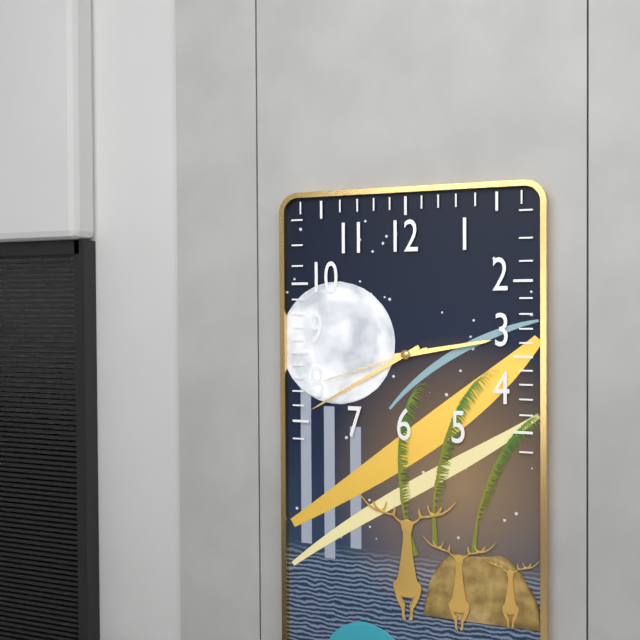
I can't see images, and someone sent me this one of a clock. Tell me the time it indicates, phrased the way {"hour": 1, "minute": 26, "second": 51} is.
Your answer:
{"hour": 2, "minute": 40, "second": 42}
